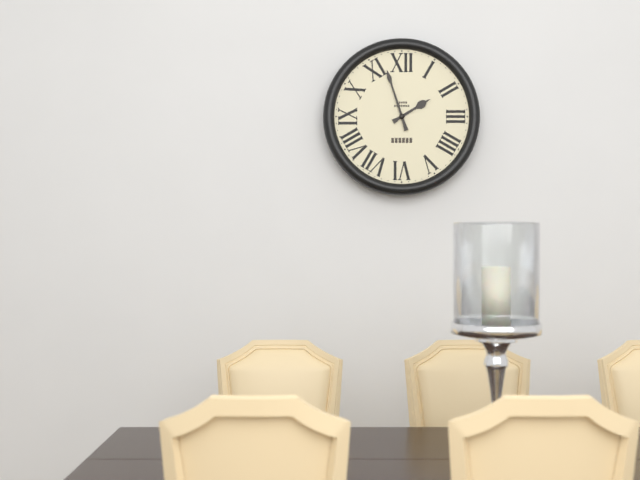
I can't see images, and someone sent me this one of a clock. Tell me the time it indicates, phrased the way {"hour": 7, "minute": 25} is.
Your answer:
{"hour": 1, "minute": 57}
